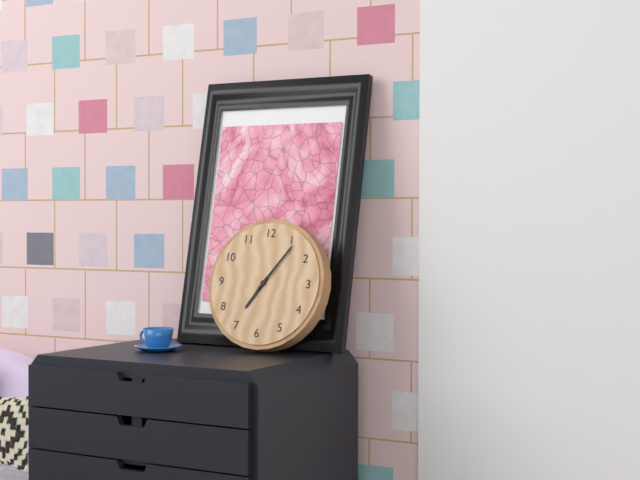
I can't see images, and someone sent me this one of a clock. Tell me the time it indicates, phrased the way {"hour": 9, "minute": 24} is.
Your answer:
{"hour": 7, "minute": 6}
